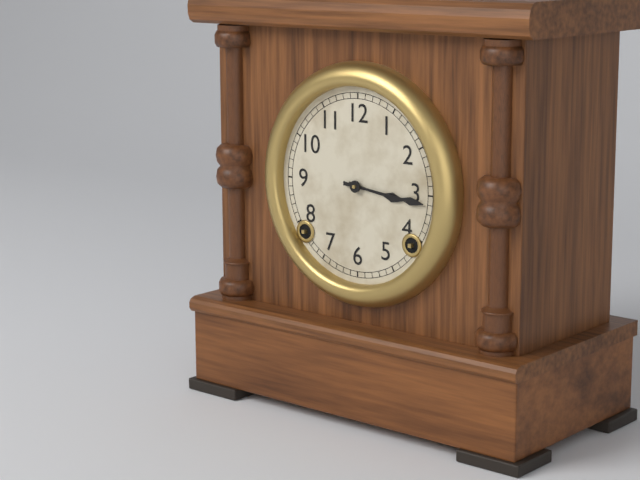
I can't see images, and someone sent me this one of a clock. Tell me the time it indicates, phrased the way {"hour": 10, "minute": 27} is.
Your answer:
{"hour": 3, "minute": 16}
